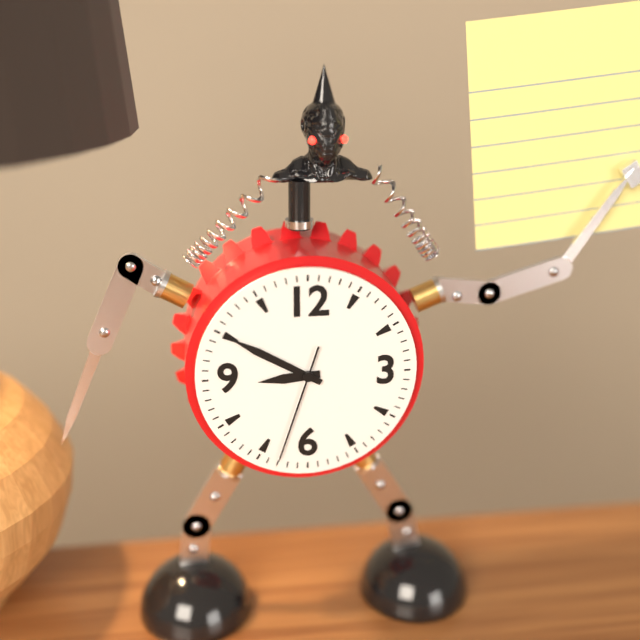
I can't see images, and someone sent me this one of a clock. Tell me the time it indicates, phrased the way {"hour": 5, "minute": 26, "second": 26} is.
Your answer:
{"hour": 8, "minute": 50, "second": 33}
